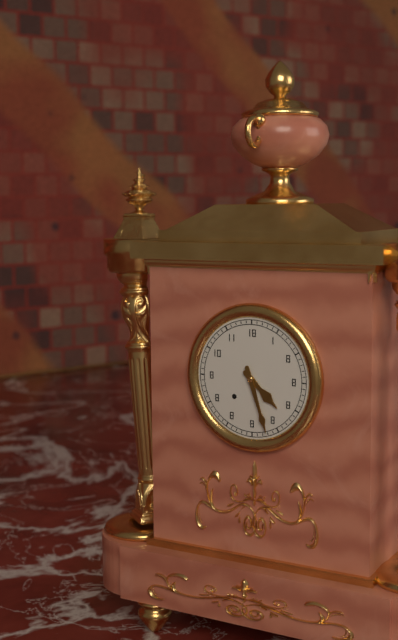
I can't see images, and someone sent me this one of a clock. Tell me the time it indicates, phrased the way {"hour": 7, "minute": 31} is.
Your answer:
{"hour": 4, "minute": 27}
